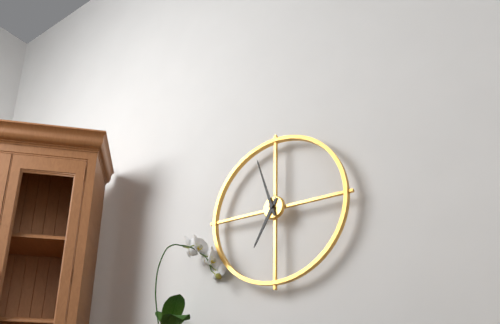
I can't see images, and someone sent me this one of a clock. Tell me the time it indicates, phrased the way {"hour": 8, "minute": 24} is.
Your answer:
{"hour": 6, "minute": 57}
